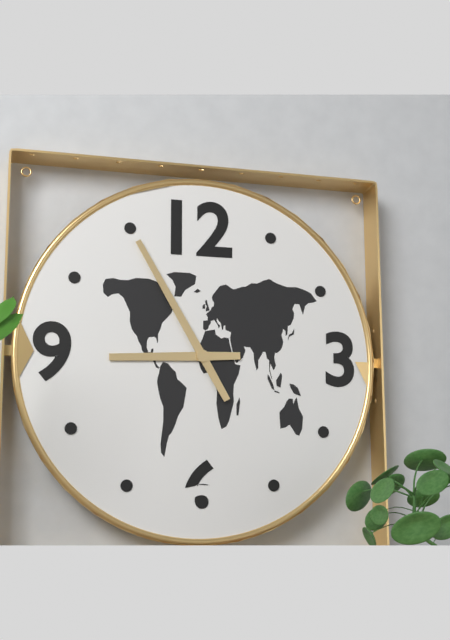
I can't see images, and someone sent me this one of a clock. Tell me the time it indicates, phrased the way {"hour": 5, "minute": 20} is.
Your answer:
{"hour": 8, "minute": 55}
